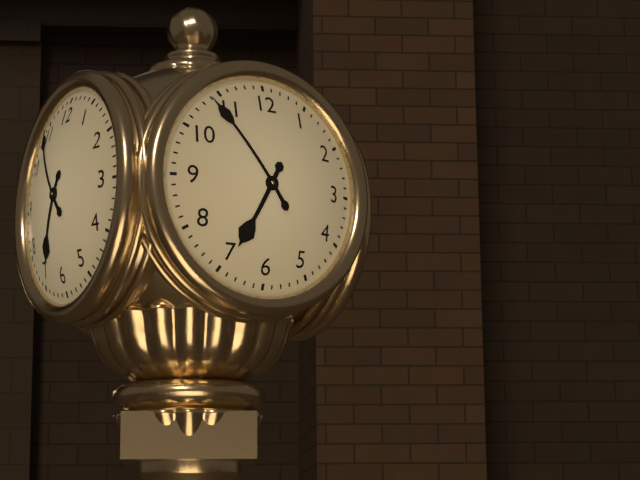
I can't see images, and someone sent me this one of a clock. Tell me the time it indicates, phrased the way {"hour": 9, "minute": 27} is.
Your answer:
{"hour": 6, "minute": 54}
